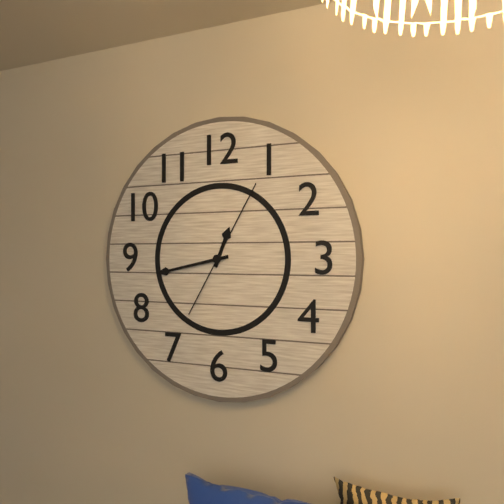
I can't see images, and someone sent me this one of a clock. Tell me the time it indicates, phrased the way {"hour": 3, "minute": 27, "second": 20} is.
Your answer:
{"hour": 12, "minute": 43, "second": 5}
